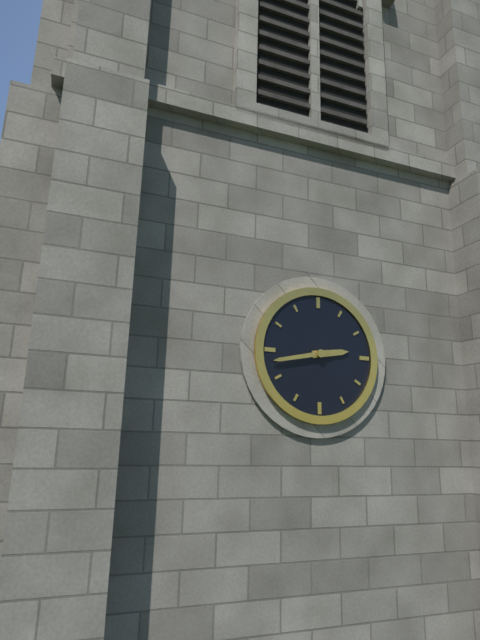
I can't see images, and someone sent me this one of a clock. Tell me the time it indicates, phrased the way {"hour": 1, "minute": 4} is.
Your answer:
{"hour": 2, "minute": 43}
